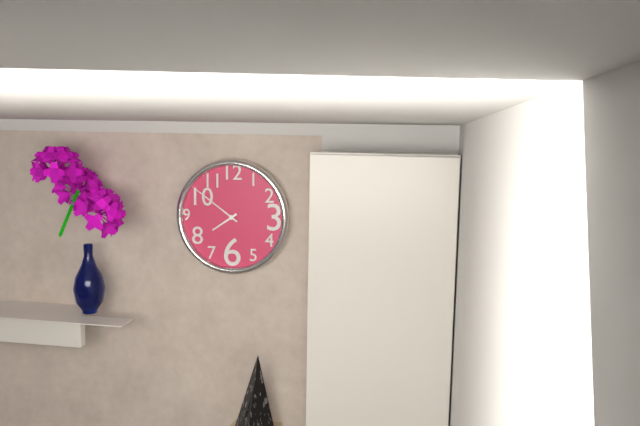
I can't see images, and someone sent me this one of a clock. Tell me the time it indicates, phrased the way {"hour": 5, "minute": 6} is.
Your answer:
{"hour": 7, "minute": 51}
